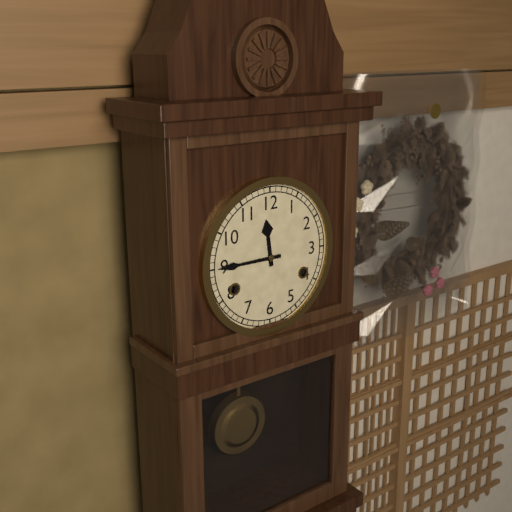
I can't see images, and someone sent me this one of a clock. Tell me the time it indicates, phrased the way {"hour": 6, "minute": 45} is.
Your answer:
{"hour": 11, "minute": 45}
